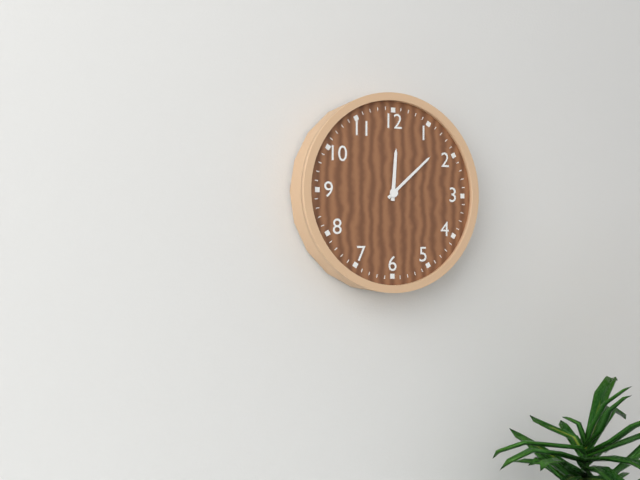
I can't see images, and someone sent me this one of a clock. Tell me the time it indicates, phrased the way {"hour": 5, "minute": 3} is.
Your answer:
{"hour": 12, "minute": 8}
